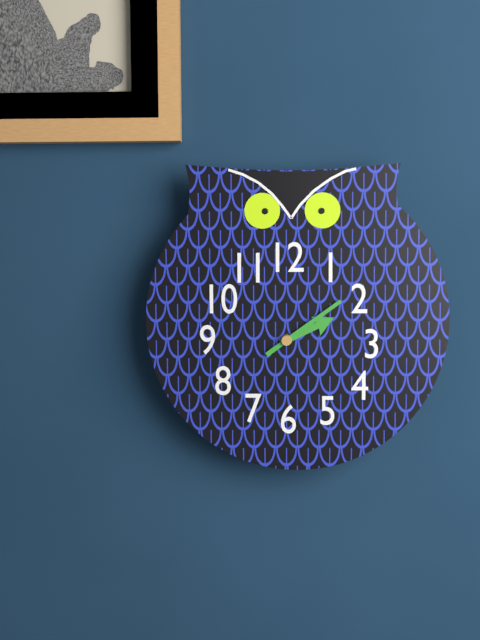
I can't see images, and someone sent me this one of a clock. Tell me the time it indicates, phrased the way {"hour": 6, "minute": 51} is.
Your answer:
{"hour": 2, "minute": 9}
